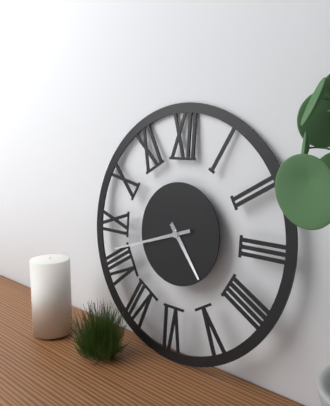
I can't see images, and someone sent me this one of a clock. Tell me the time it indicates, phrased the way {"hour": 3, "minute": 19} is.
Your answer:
{"hour": 4, "minute": 42}
